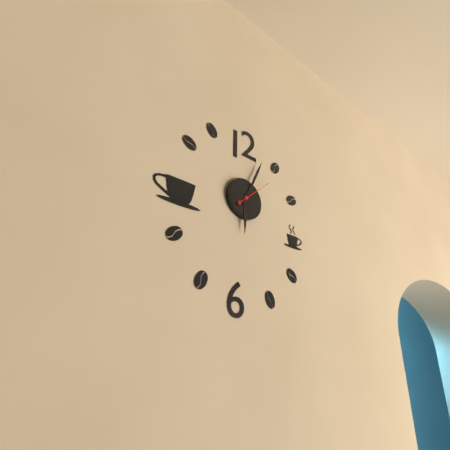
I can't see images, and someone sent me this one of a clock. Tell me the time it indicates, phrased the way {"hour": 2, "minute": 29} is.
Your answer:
{"hour": 6, "minute": 4}
